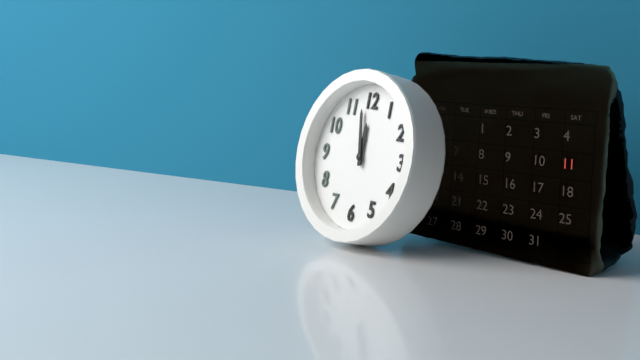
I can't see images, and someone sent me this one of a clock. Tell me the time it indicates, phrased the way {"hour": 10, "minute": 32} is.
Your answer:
{"hour": 11, "minute": 58}
